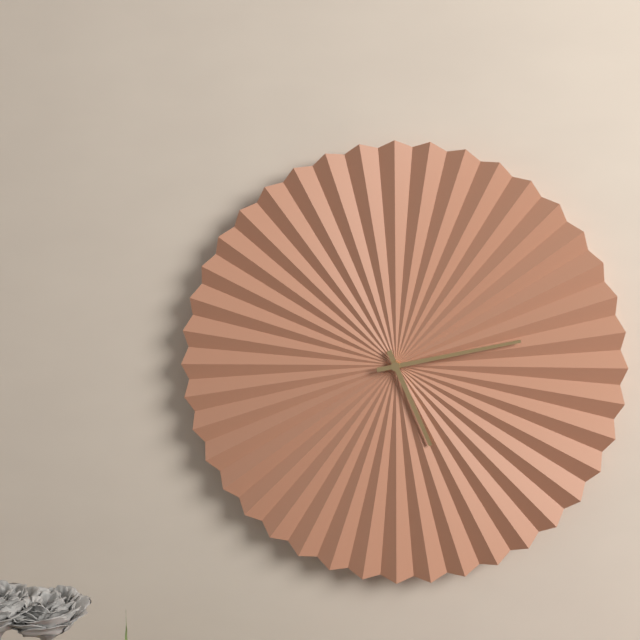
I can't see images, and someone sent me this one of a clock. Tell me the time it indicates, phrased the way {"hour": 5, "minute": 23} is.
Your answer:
{"hour": 5, "minute": 13}
